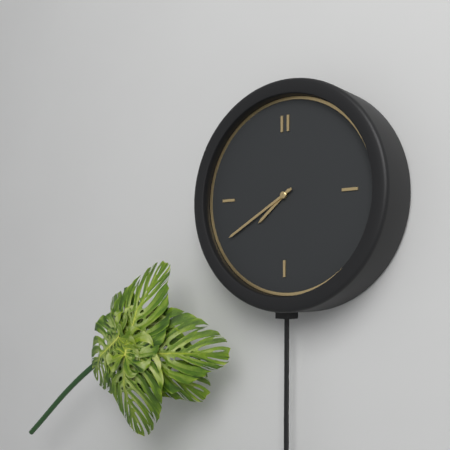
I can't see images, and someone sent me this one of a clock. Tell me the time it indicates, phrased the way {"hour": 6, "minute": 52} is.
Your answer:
{"hour": 7, "minute": 40}
